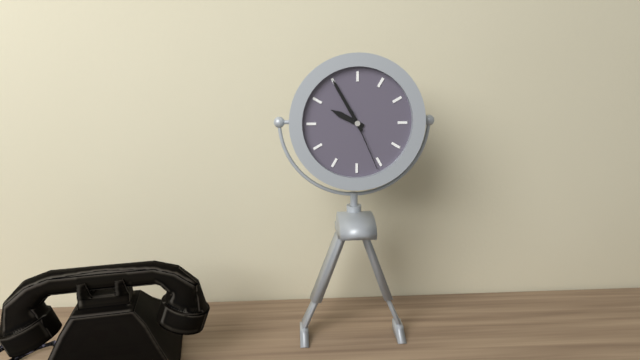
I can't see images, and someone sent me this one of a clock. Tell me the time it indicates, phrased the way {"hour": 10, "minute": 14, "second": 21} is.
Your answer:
{"hour": 9, "minute": 55, "second": 26}
